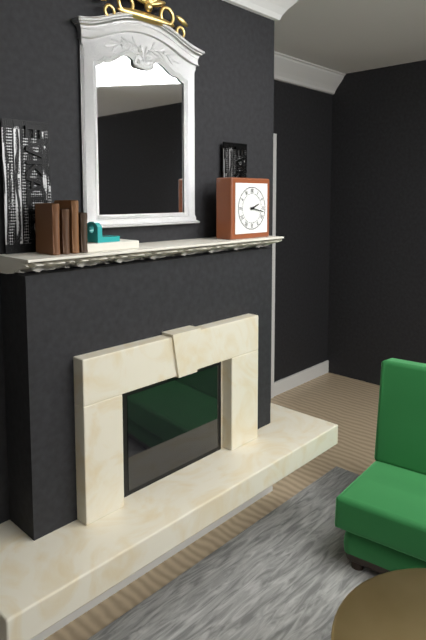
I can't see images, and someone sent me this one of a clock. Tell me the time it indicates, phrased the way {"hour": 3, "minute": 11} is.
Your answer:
{"hour": 2, "minute": 17}
